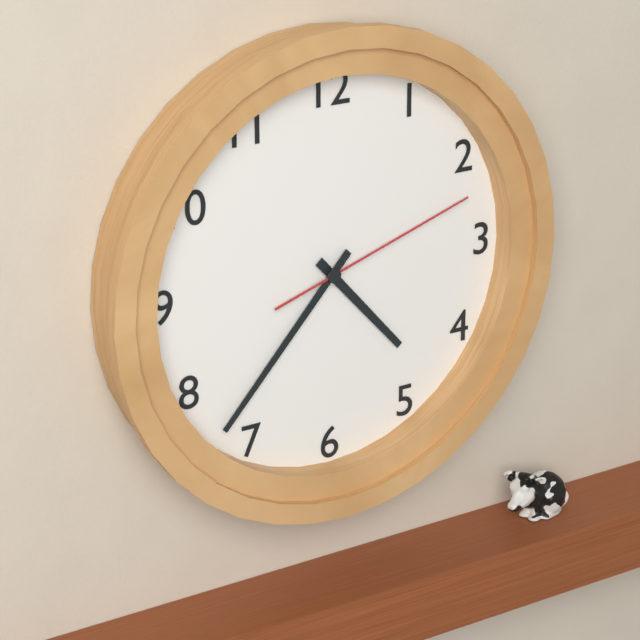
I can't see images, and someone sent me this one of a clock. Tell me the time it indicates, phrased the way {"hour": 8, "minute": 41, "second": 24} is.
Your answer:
{"hour": 4, "minute": 37, "second": 12}
